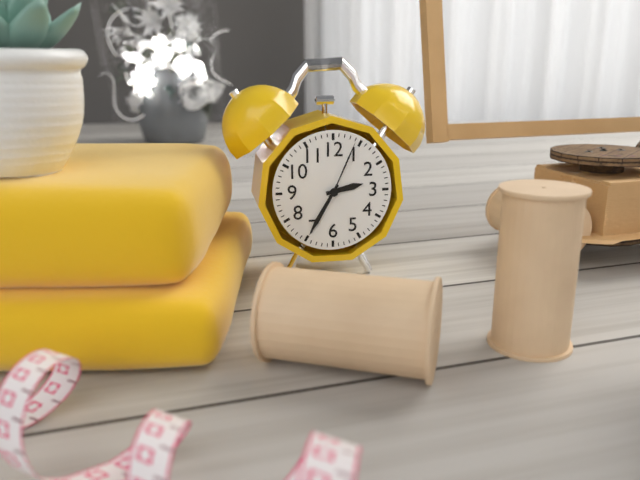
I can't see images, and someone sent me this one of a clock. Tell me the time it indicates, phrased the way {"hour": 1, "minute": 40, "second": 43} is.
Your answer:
{"hour": 2, "minute": 35, "second": 4}
